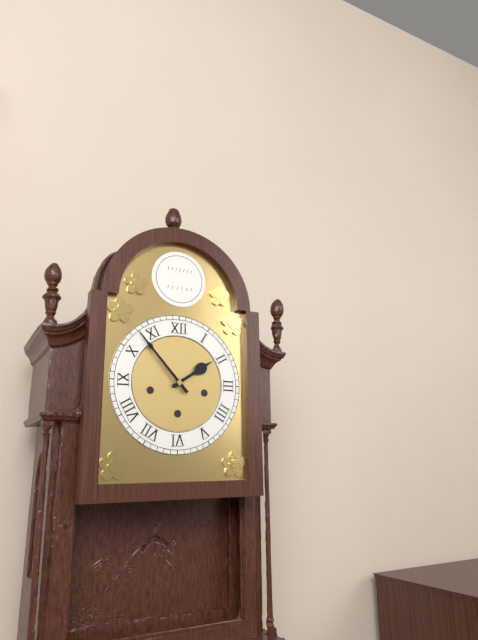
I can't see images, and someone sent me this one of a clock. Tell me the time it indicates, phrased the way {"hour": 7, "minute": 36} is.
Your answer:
{"hour": 1, "minute": 53}
